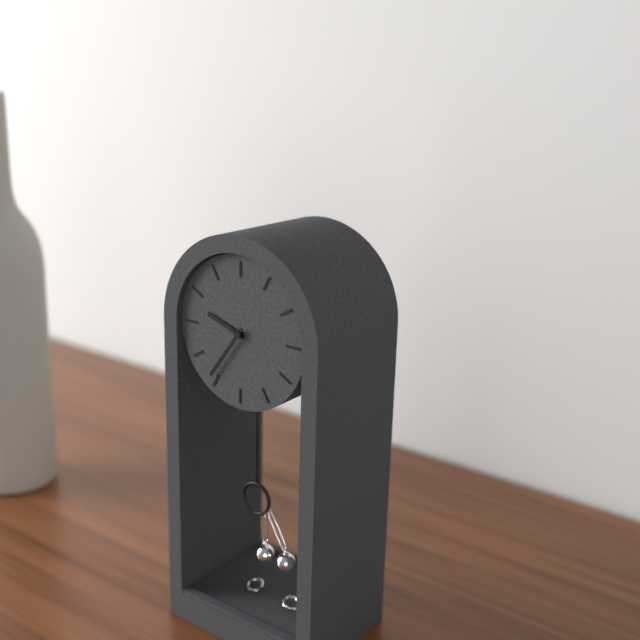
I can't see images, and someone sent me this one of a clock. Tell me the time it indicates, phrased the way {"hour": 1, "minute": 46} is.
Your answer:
{"hour": 9, "minute": 36}
